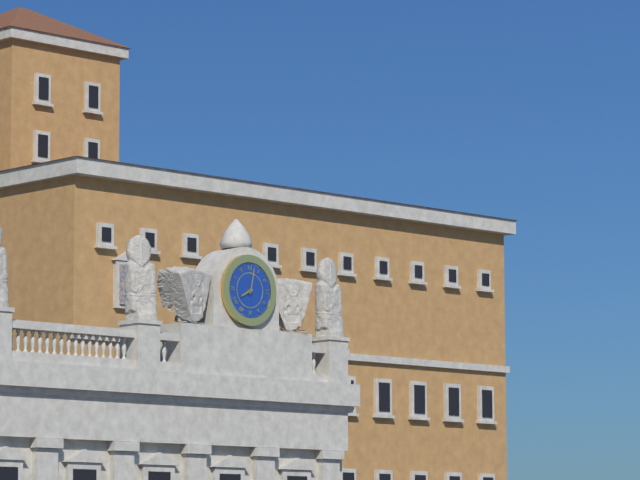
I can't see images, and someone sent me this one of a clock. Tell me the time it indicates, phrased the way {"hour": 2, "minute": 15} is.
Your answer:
{"hour": 8, "minute": 2}
